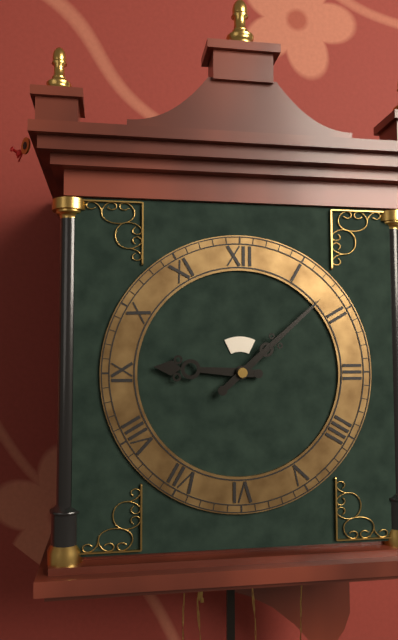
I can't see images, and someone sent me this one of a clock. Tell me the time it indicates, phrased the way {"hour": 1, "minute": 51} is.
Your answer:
{"hour": 9, "minute": 8}
